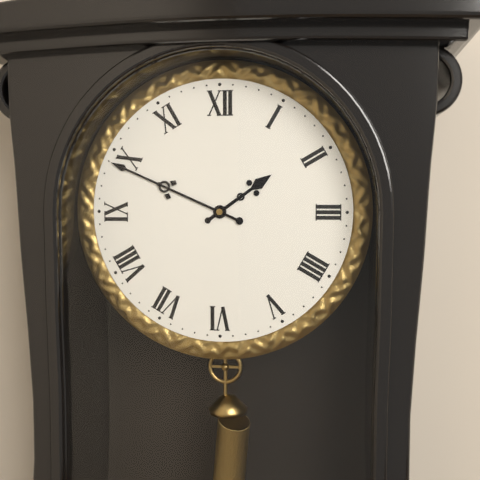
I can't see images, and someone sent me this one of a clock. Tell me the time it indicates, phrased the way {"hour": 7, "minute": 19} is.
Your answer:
{"hour": 1, "minute": 49}
